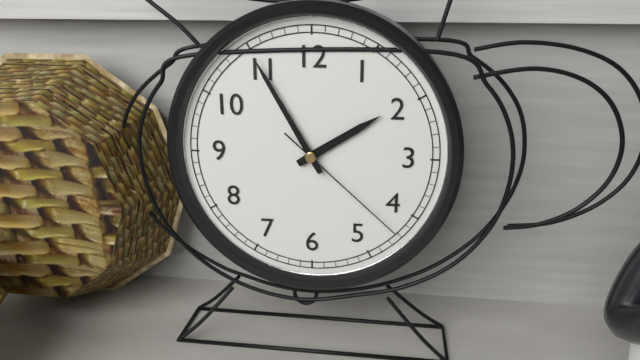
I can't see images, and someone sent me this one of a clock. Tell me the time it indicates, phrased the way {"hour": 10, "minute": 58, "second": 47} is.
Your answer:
{"hour": 1, "minute": 55, "second": 22}
